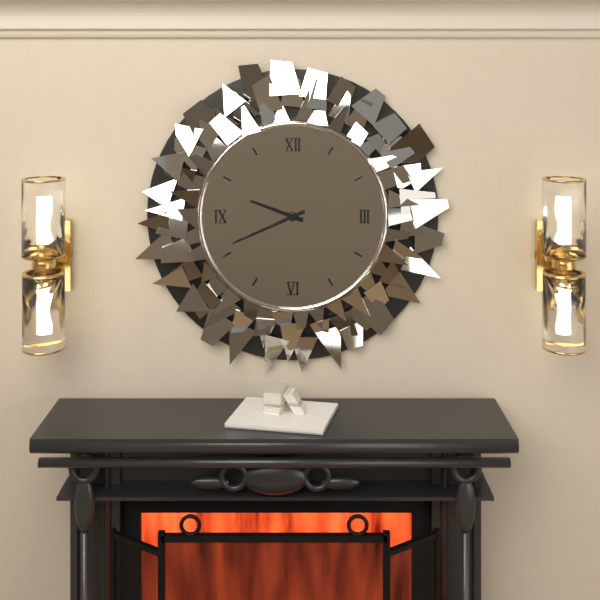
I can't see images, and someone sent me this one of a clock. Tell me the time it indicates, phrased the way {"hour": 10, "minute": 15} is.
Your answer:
{"hour": 9, "minute": 41}
